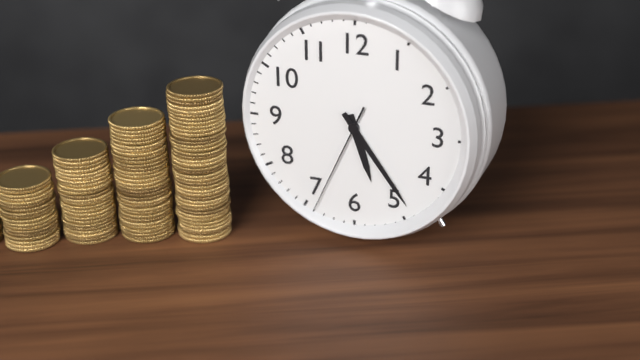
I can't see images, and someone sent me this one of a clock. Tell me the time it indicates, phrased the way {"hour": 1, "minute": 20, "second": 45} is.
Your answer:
{"hour": 5, "minute": 24, "second": 34}
